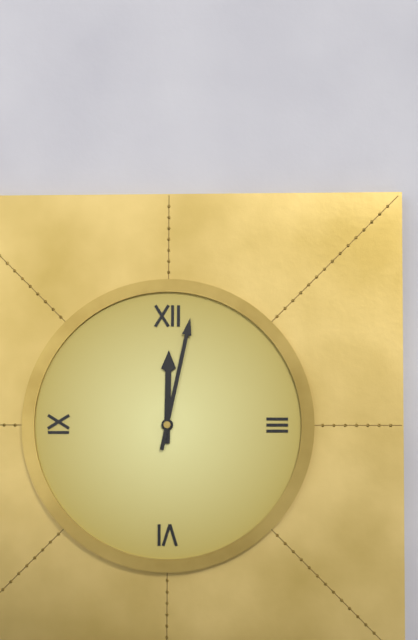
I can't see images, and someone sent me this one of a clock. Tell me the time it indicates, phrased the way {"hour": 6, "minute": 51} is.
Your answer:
{"hour": 12, "minute": 2}
